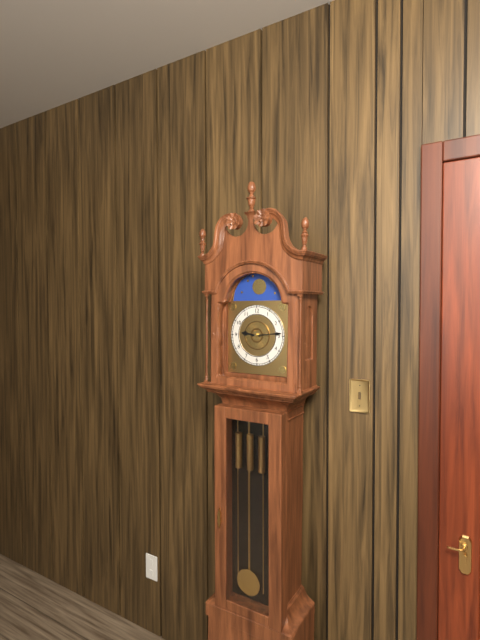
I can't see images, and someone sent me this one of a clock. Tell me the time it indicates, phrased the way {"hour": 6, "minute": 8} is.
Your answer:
{"hour": 9, "minute": 14}
